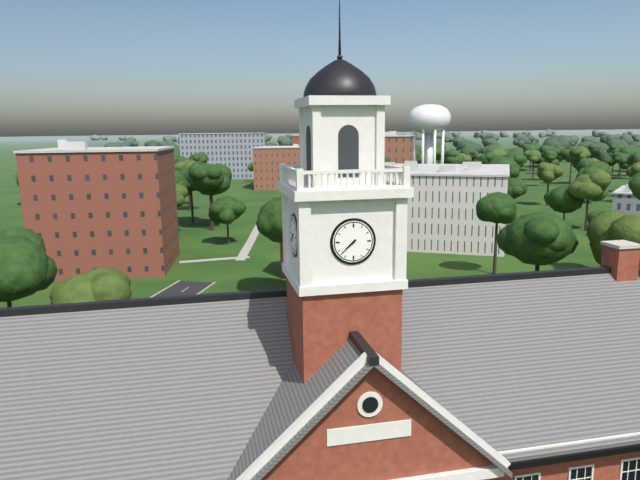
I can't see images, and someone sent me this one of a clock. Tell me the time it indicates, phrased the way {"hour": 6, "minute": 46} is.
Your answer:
{"hour": 7, "minute": 38}
